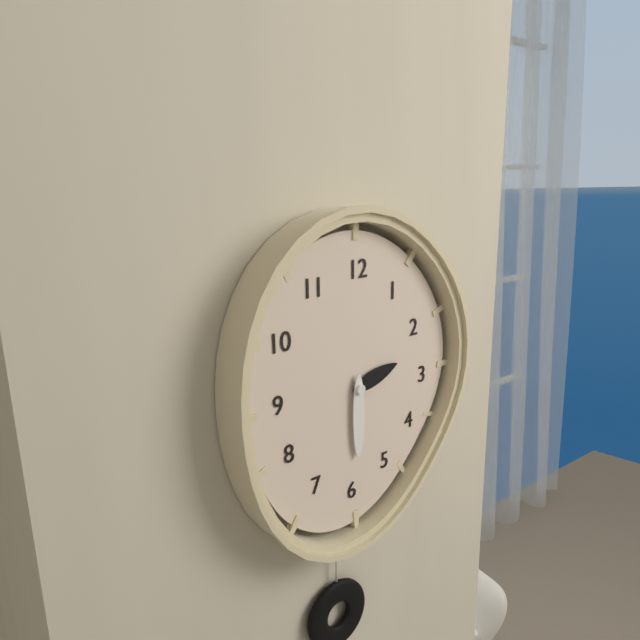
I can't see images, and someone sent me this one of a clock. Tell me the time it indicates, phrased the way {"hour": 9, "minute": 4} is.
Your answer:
{"hour": 2, "minute": 30}
